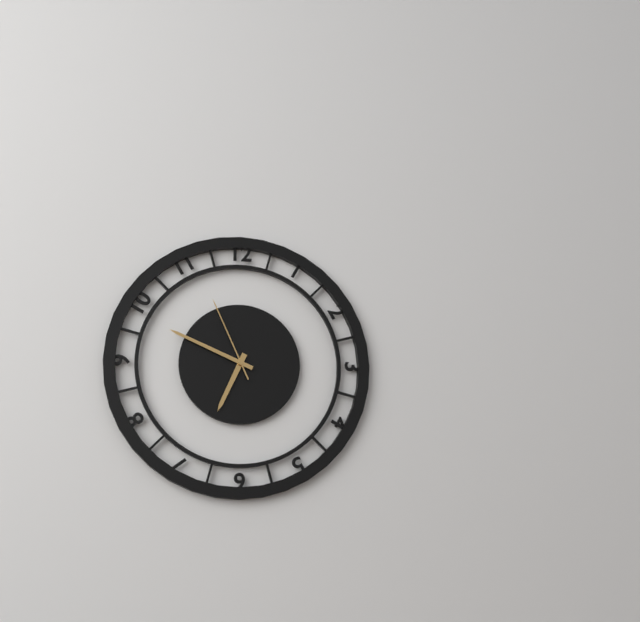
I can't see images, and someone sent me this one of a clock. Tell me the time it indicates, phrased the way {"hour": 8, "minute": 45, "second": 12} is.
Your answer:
{"hour": 6, "minute": 49, "second": 56}
